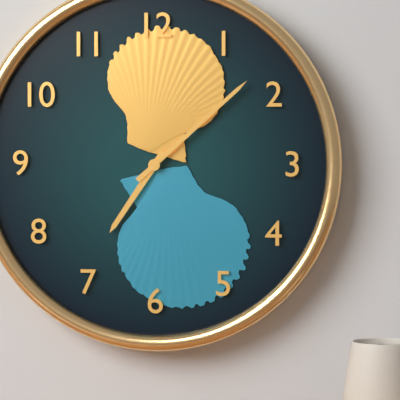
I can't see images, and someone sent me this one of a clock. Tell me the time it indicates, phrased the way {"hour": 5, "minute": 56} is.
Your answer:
{"hour": 7, "minute": 8}
